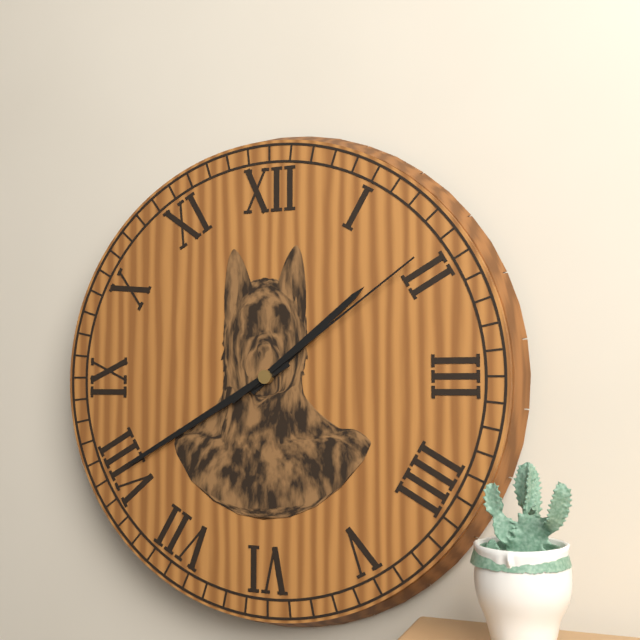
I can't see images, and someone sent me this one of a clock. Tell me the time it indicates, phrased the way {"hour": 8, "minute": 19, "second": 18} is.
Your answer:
{"hour": 1, "minute": 40, "second": 9}
